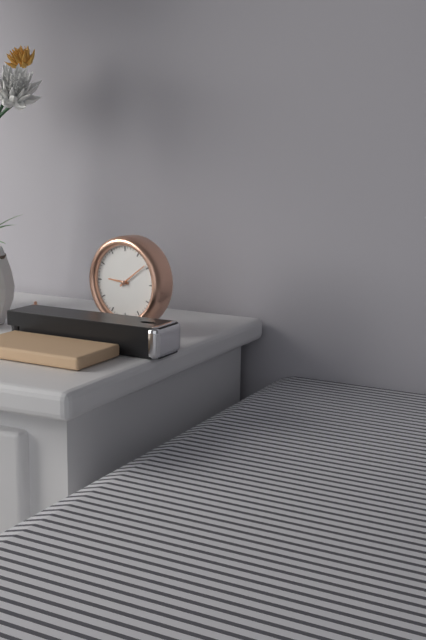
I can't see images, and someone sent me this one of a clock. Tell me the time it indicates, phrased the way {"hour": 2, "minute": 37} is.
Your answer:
{"hour": 9, "minute": 9}
